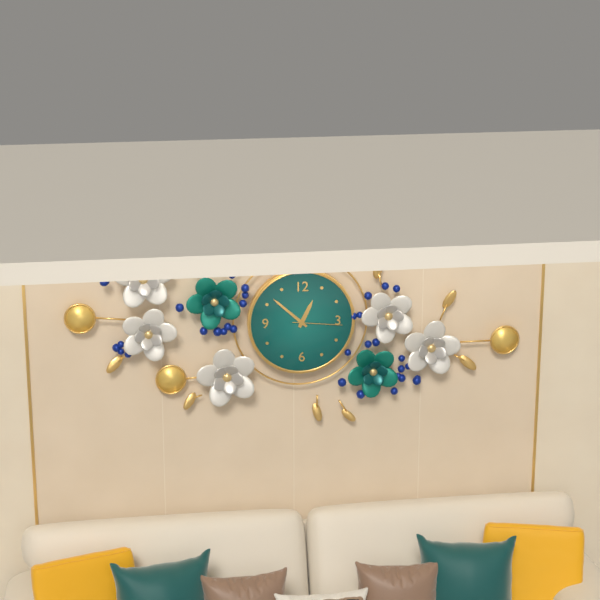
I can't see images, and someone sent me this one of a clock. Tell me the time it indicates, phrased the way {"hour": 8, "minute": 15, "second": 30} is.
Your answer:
{"hour": 12, "minute": 52, "second": 16}
